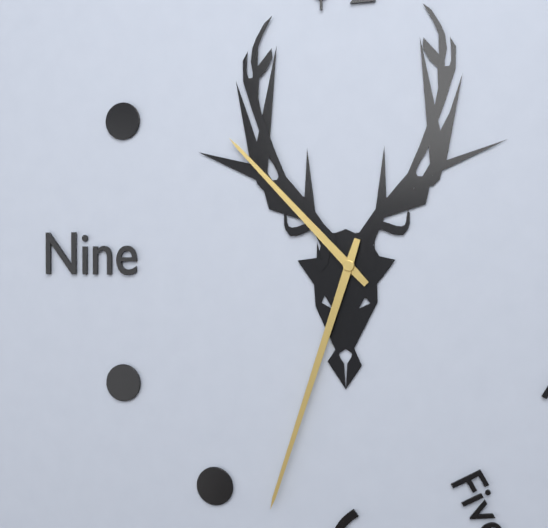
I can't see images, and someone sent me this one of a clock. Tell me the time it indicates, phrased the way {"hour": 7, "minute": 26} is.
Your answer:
{"hour": 10, "minute": 33}
